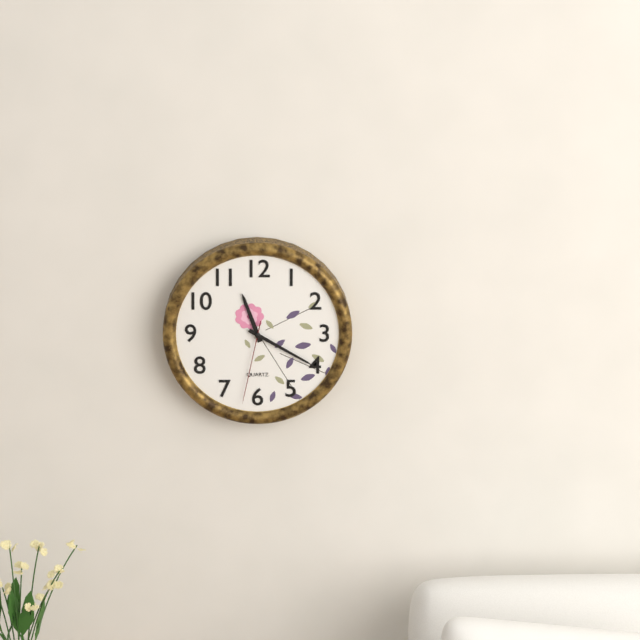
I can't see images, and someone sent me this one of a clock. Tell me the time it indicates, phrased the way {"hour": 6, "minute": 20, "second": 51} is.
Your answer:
{"hour": 11, "minute": 20, "second": 32}
